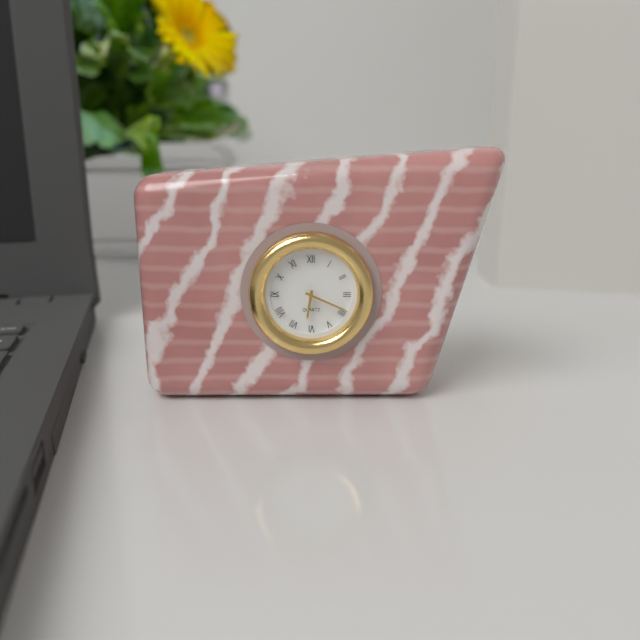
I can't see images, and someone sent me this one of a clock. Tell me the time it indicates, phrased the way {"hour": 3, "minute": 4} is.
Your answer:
{"hour": 6, "minute": 19}
